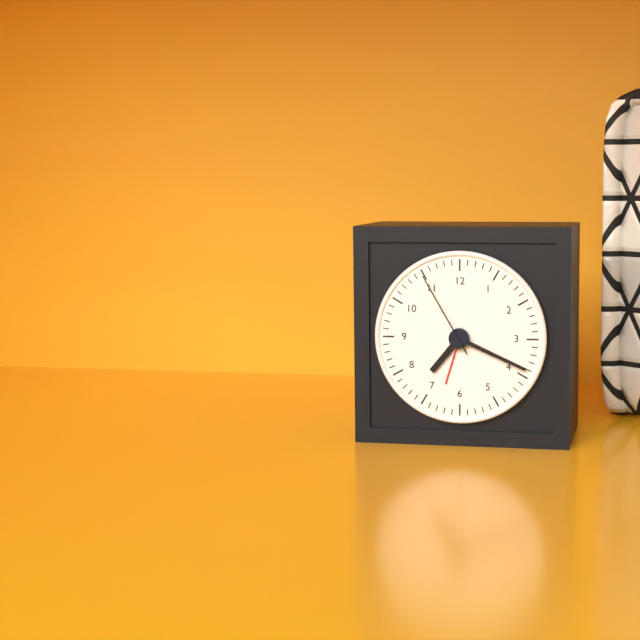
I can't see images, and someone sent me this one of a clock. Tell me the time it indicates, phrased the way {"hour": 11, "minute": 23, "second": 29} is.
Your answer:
{"hour": 7, "minute": 19, "second": 55}
